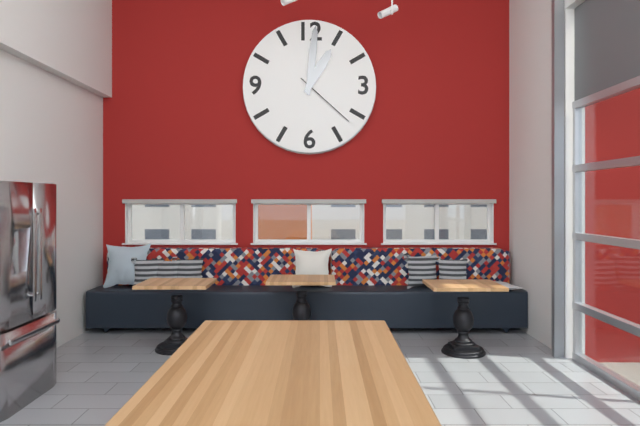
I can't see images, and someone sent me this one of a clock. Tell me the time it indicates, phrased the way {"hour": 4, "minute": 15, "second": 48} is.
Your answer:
{"hour": 1, "minute": 1, "second": 22}
